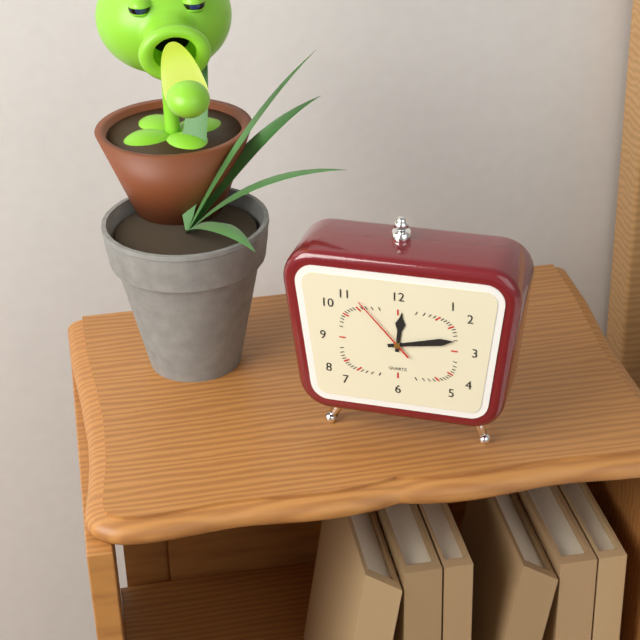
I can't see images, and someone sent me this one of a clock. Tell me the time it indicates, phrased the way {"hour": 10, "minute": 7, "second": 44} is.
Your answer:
{"hour": 12, "minute": 13, "second": 53}
